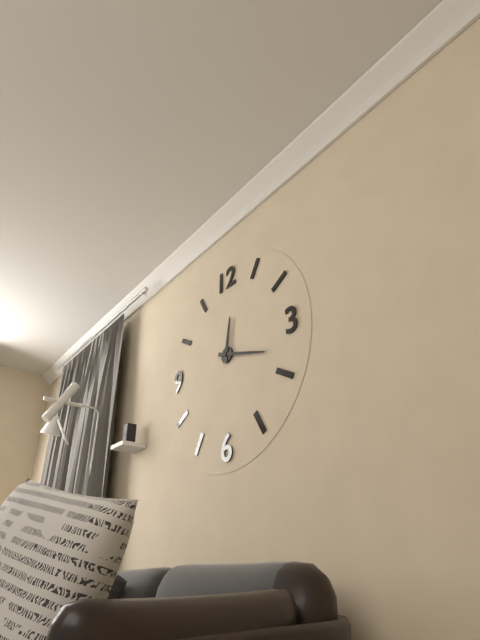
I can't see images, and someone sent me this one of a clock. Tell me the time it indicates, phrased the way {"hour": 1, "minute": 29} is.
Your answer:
{"hour": 12, "minute": 18}
